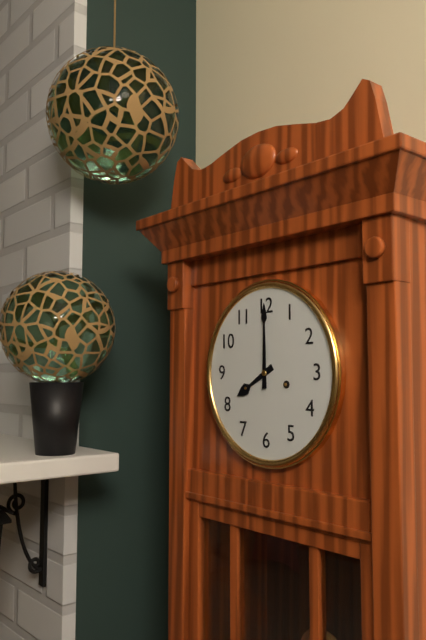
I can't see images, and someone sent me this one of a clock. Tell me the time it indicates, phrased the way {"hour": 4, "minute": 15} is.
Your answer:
{"hour": 8, "minute": 0}
